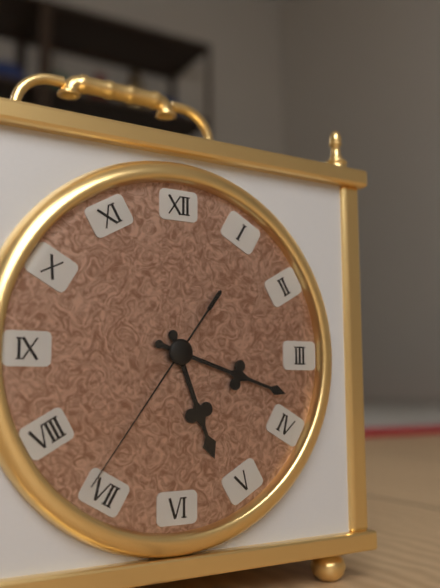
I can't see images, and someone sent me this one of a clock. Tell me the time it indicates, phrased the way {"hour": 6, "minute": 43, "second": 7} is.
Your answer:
{"hour": 5, "minute": 18, "second": 36}
